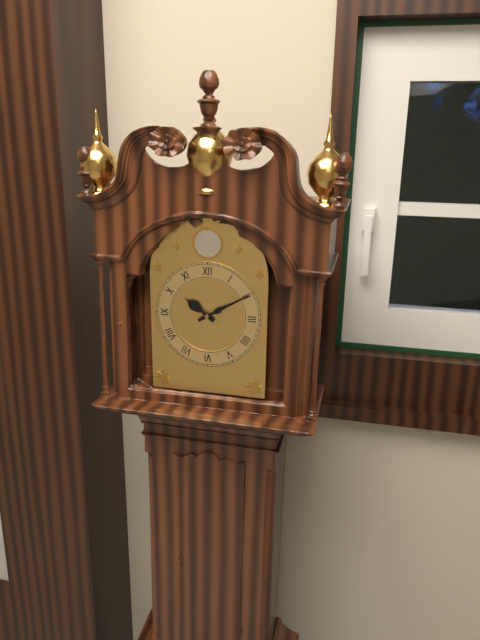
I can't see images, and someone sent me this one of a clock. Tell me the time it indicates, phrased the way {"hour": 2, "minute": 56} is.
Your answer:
{"hour": 10, "minute": 10}
